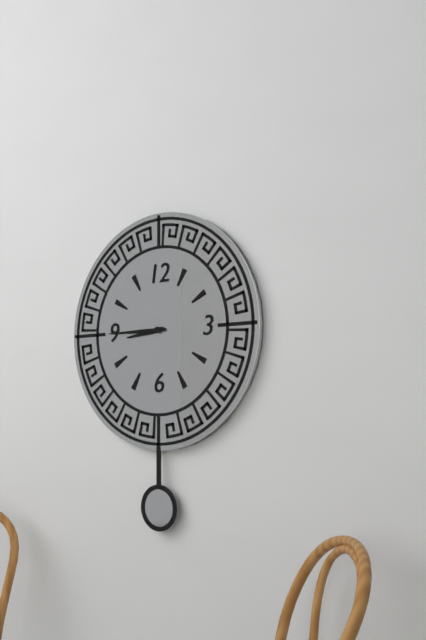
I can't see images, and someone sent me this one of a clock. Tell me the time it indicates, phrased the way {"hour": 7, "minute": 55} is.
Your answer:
{"hour": 8, "minute": 45}
